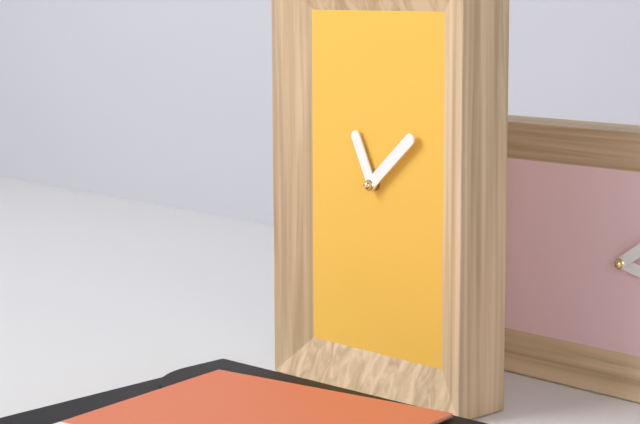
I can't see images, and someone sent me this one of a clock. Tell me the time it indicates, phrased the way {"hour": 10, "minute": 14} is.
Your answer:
{"hour": 11, "minute": 8}
